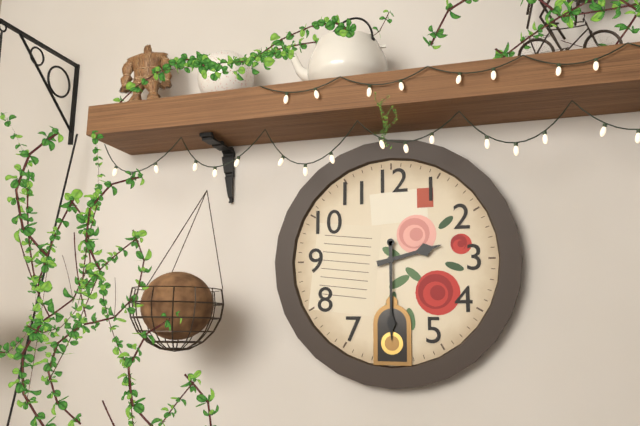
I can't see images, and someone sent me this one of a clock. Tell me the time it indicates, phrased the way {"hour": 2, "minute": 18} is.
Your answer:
{"hour": 2, "minute": 30}
